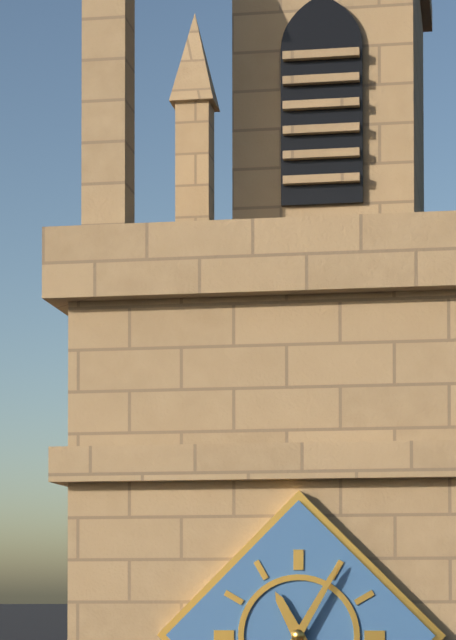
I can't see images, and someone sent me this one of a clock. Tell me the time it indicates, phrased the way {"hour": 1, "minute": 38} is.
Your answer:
{"hour": 11, "minute": 5}
